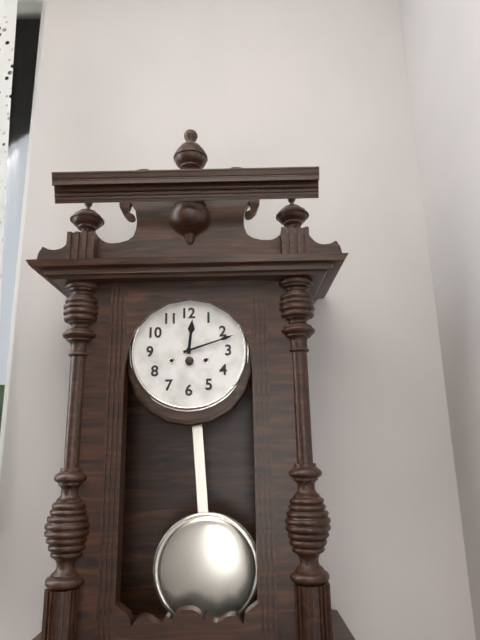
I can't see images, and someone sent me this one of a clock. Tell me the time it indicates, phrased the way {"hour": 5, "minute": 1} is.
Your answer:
{"hour": 12, "minute": 12}
